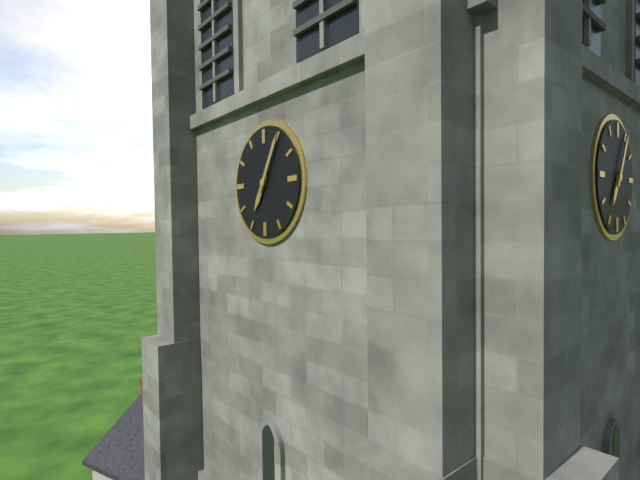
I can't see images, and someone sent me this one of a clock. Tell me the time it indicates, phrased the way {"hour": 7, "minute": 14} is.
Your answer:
{"hour": 7, "minute": 5}
